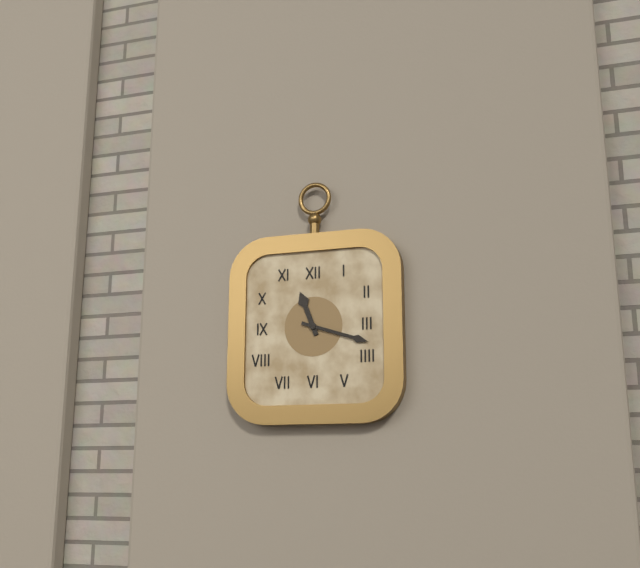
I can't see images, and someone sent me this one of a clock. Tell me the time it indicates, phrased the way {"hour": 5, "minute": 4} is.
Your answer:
{"hour": 11, "minute": 18}
